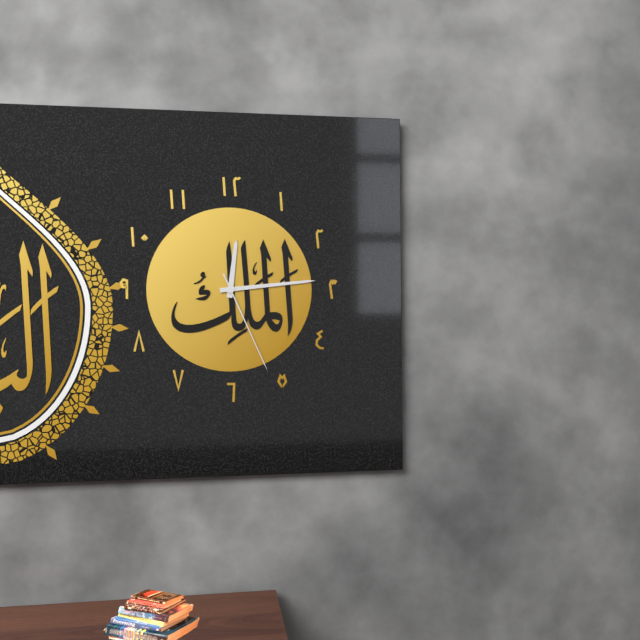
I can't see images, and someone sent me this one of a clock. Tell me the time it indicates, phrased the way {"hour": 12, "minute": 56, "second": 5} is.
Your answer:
{"hour": 12, "minute": 14, "second": 26}
